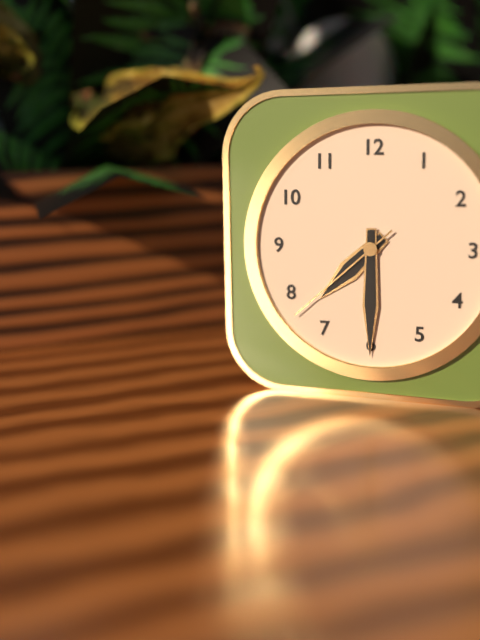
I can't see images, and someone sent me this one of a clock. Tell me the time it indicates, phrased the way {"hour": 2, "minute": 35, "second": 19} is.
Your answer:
{"hour": 7, "minute": 30, "second": 38}
